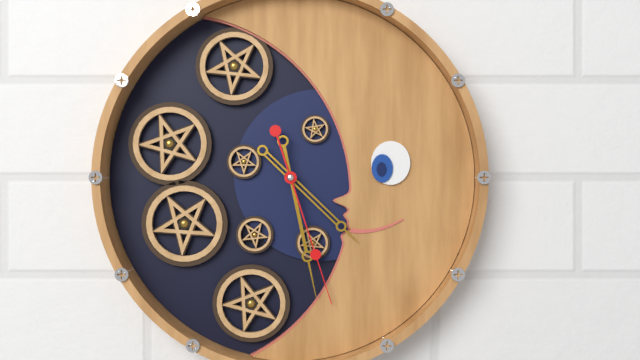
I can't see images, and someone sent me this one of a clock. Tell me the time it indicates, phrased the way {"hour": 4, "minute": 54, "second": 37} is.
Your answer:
{"hour": 4, "minute": 28, "second": 27}
